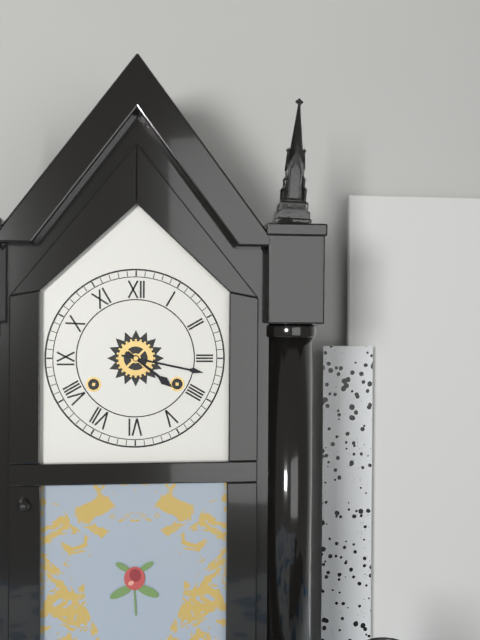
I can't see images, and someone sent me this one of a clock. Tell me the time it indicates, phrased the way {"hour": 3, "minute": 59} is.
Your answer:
{"hour": 4, "minute": 17}
